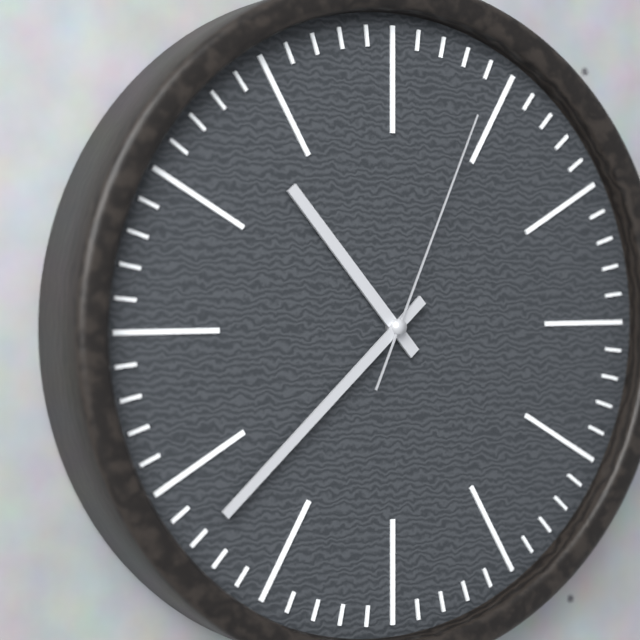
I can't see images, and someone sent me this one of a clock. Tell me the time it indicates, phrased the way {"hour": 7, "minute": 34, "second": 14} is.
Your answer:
{"hour": 10, "minute": 38, "second": 4}
